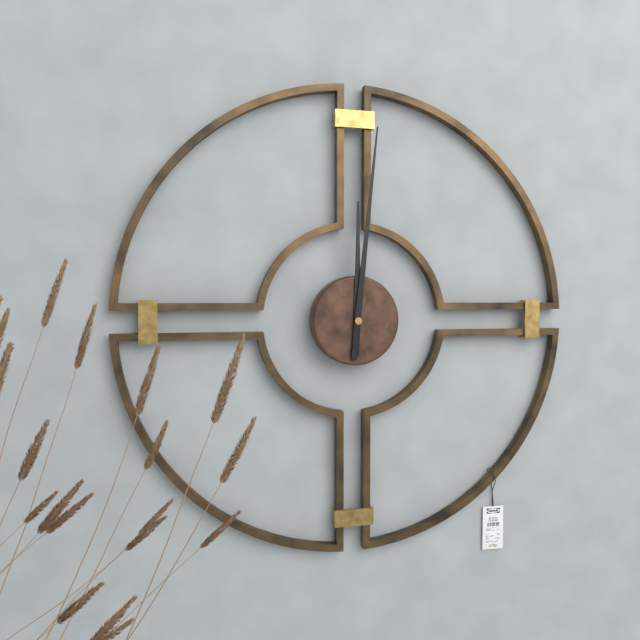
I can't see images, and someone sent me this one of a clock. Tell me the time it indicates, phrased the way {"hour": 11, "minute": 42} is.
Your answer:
{"hour": 12, "minute": 1}
